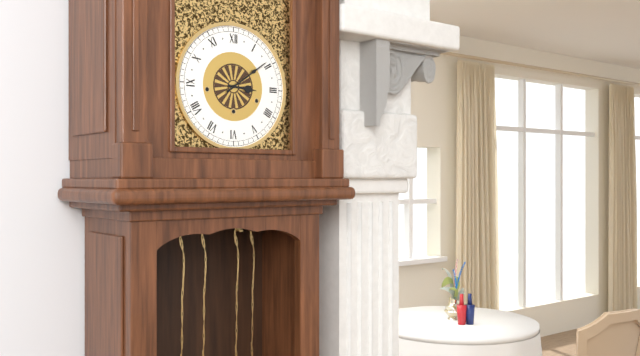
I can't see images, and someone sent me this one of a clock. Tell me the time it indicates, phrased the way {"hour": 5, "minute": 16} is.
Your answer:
{"hour": 3, "minute": 9}
